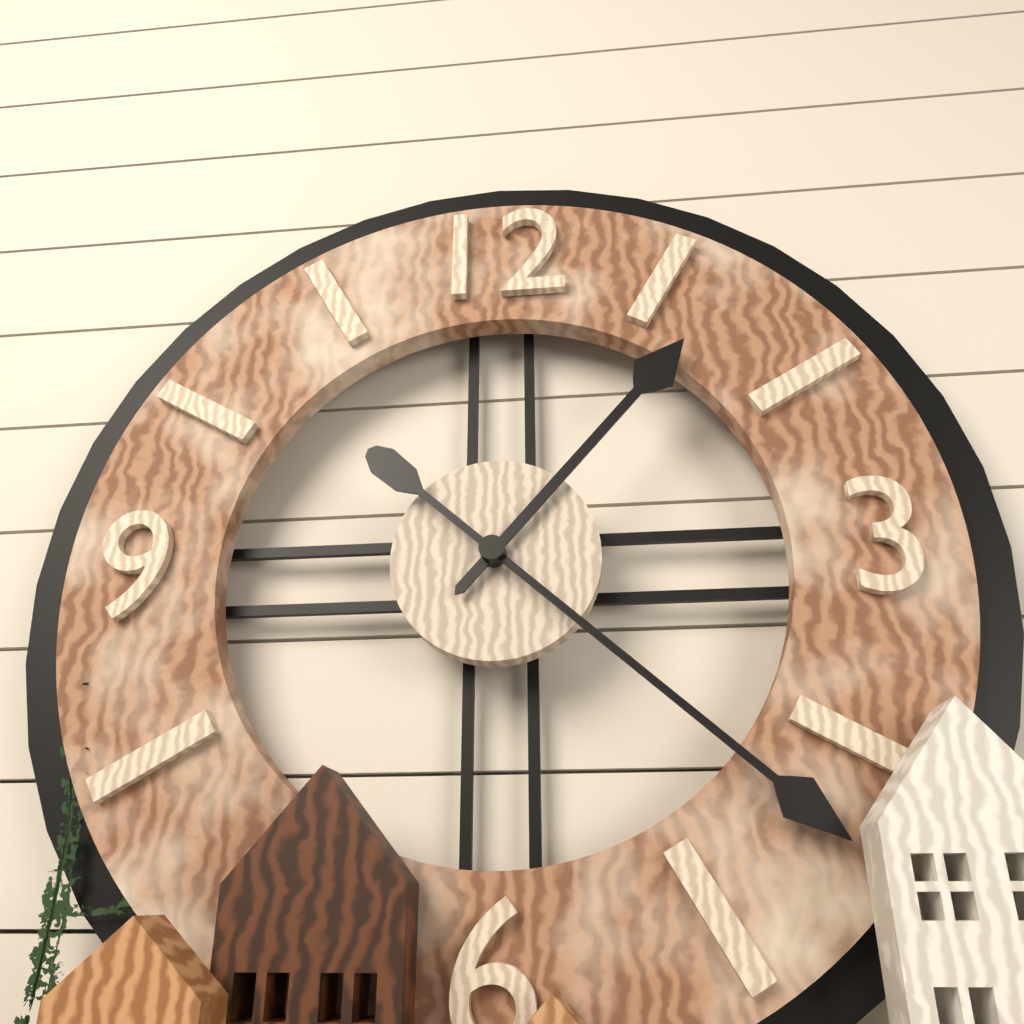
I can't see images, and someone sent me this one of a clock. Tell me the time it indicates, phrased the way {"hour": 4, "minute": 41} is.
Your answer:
{"hour": 1, "minute": 22}
